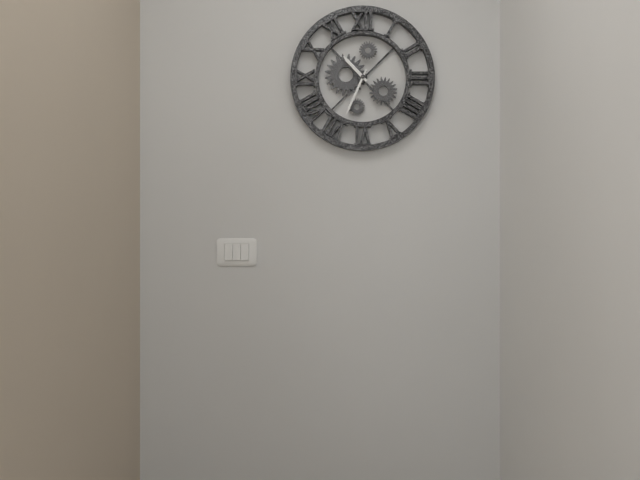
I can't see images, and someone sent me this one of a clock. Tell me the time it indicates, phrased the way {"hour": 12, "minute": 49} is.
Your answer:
{"hour": 10, "minute": 34}
